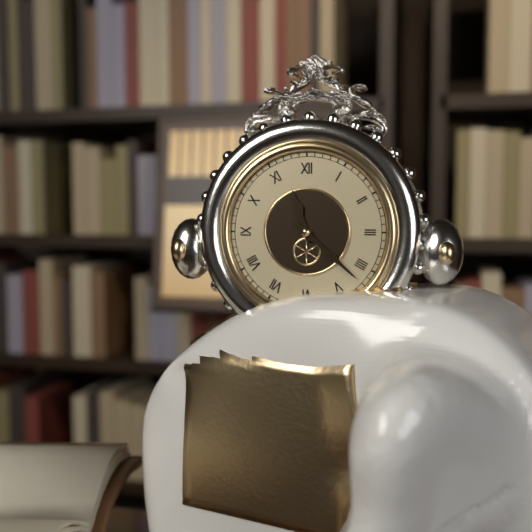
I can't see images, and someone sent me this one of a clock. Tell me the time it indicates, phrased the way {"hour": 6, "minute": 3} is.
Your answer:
{"hour": 11, "minute": 22}
